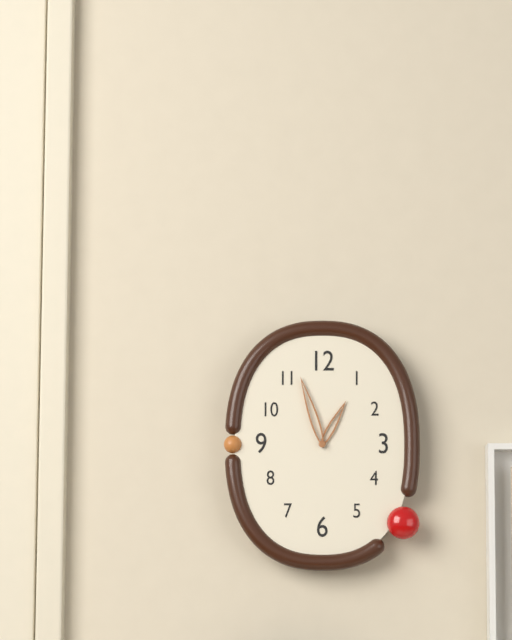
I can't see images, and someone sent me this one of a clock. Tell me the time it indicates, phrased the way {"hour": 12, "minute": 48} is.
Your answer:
{"hour": 12, "minute": 57}
